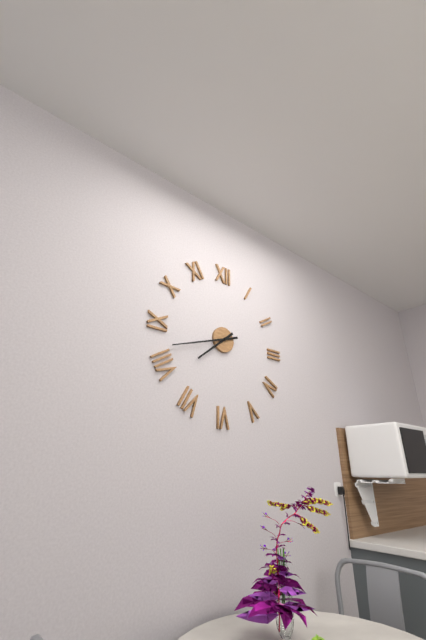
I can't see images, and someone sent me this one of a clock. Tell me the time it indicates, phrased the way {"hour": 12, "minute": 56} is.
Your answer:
{"hour": 7, "minute": 42}
